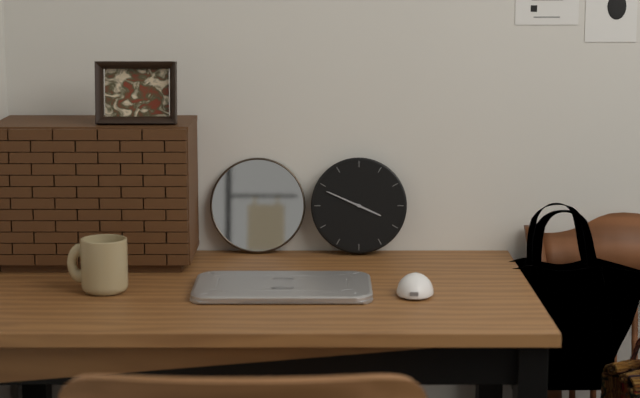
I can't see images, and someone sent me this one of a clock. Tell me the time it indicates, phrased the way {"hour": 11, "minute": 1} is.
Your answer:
{"hour": 3, "minute": 49}
